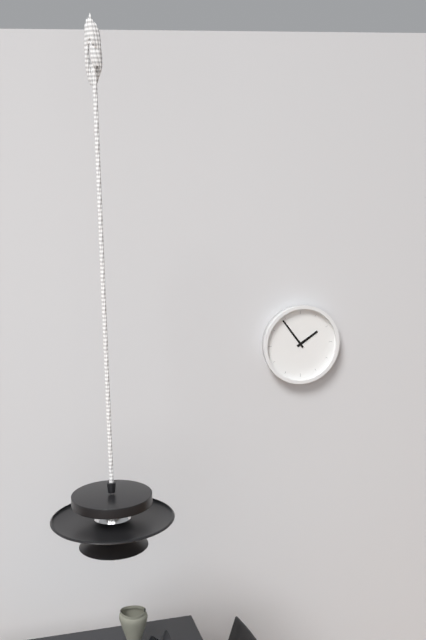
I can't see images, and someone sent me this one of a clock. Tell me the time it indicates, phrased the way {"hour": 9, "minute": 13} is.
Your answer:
{"hour": 1, "minute": 54}
